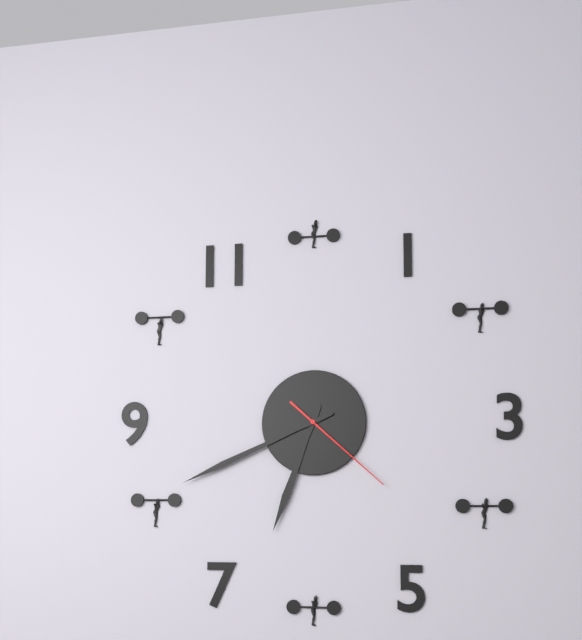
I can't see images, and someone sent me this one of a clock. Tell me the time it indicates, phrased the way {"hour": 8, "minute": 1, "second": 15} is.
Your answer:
{"hour": 6, "minute": 41, "second": 22}
